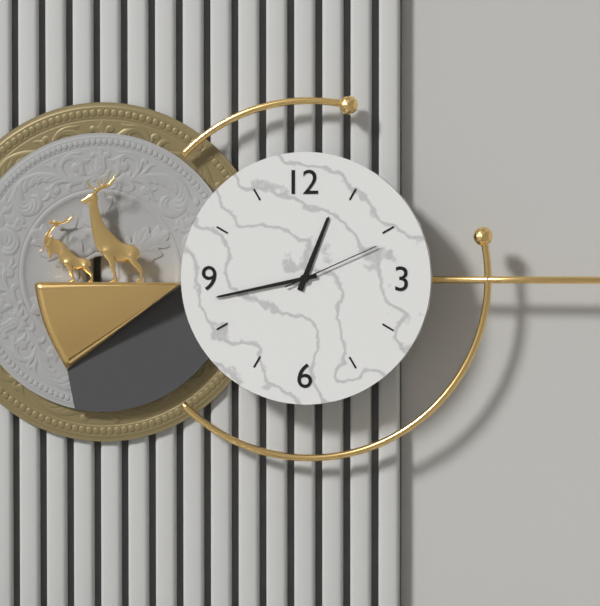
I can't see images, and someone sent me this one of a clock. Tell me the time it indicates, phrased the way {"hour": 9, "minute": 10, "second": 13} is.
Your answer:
{"hour": 12, "minute": 43, "second": 11}
